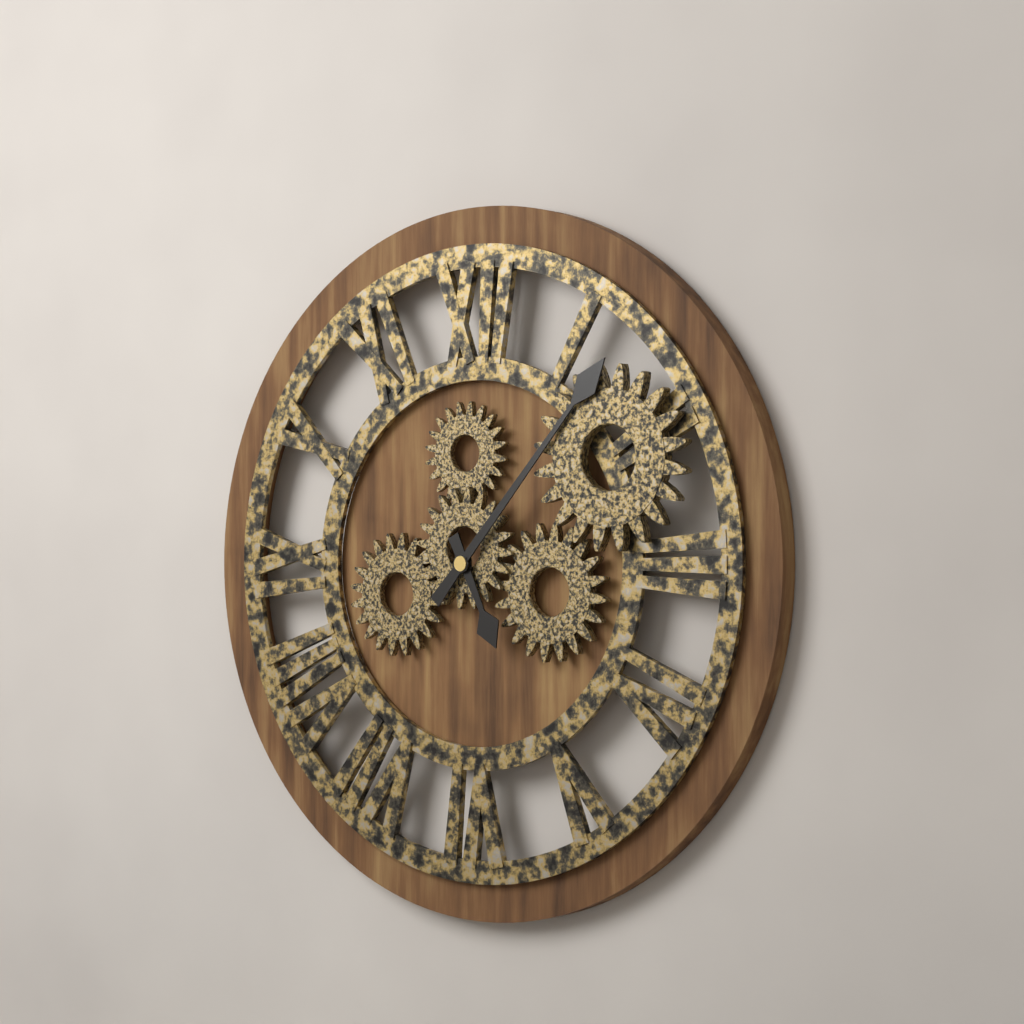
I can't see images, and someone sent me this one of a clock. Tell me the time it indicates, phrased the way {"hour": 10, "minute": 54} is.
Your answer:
{"hour": 5, "minute": 7}
